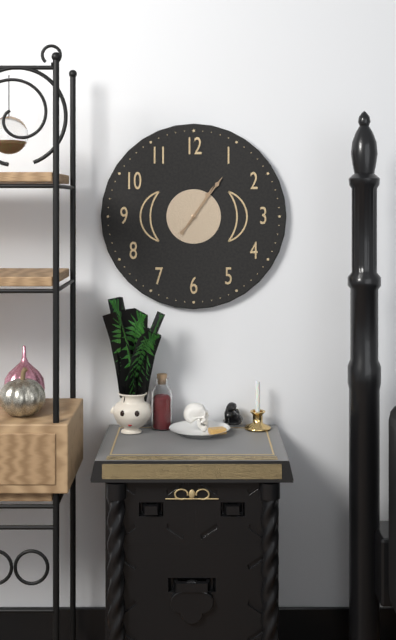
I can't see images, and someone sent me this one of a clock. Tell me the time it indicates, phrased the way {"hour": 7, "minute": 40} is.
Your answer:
{"hour": 1, "minute": 6}
